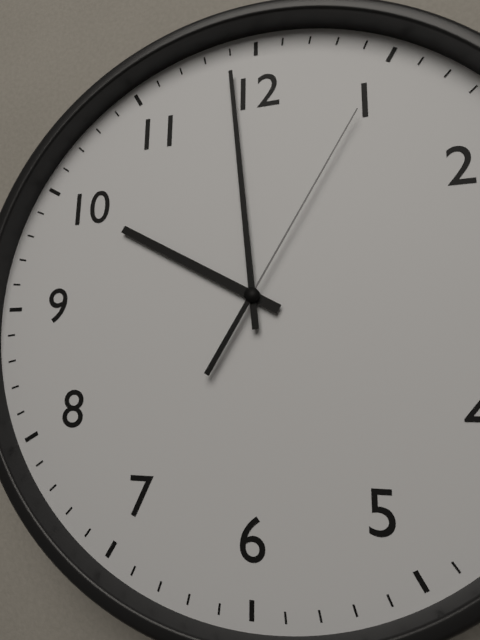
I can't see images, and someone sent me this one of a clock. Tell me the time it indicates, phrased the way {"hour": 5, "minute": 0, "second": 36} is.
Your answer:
{"hour": 9, "minute": 59, "second": 5}
